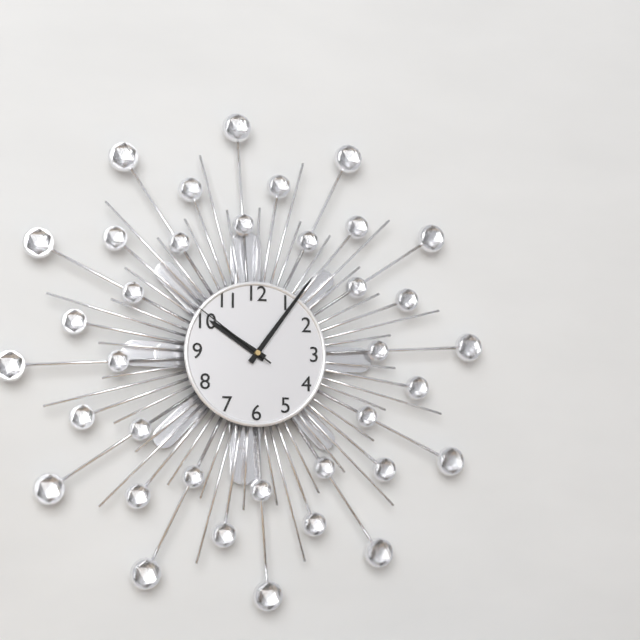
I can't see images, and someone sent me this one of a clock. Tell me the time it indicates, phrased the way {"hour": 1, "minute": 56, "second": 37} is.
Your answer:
{"hour": 10, "minute": 6, "second": 51}
